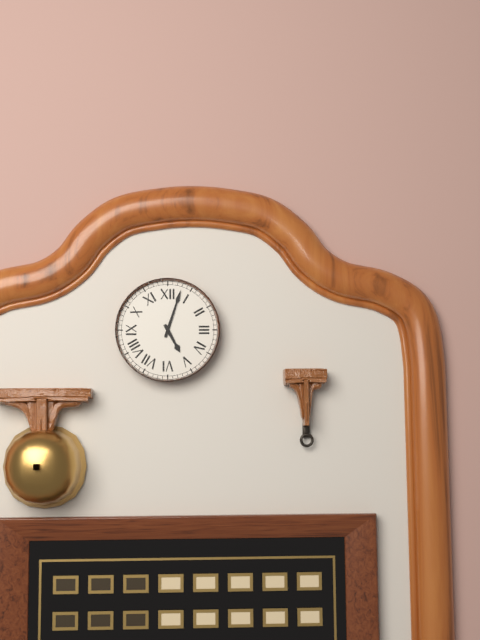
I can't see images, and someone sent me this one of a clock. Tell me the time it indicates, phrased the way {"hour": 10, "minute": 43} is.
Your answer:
{"hour": 5, "minute": 3}
